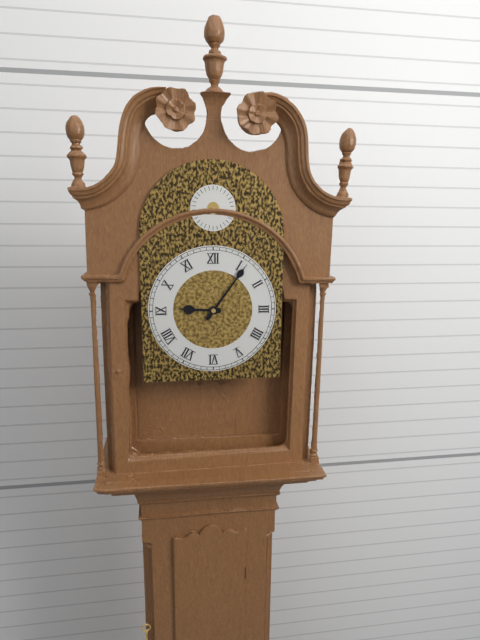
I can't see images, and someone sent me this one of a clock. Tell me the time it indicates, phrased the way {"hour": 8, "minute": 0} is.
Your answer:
{"hour": 9, "minute": 6}
